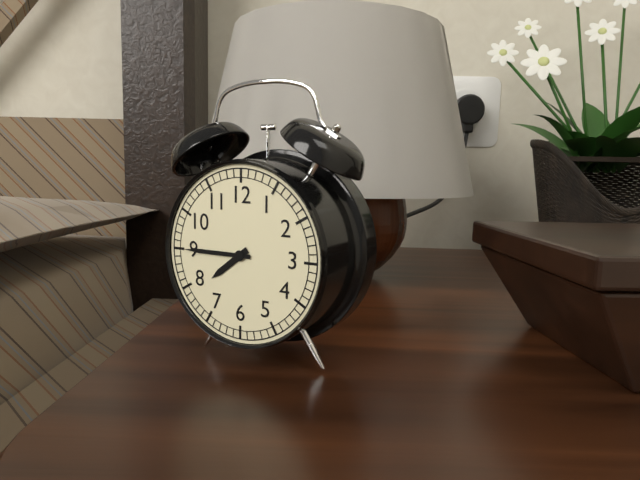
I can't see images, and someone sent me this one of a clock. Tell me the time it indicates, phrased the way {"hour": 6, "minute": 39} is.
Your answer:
{"hour": 7, "minute": 45}
